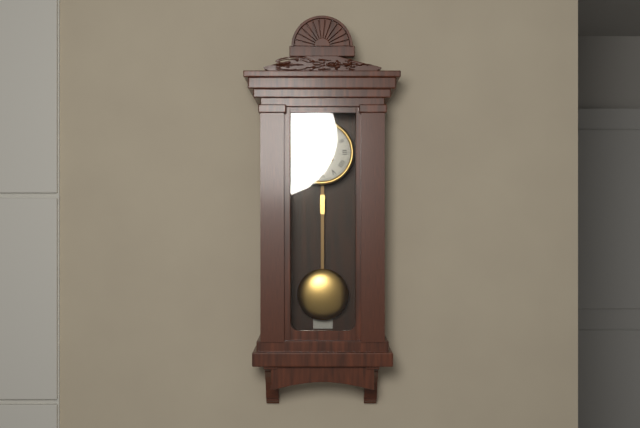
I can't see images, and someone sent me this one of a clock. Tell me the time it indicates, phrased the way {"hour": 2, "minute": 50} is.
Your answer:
{"hour": 1, "minute": 51}
